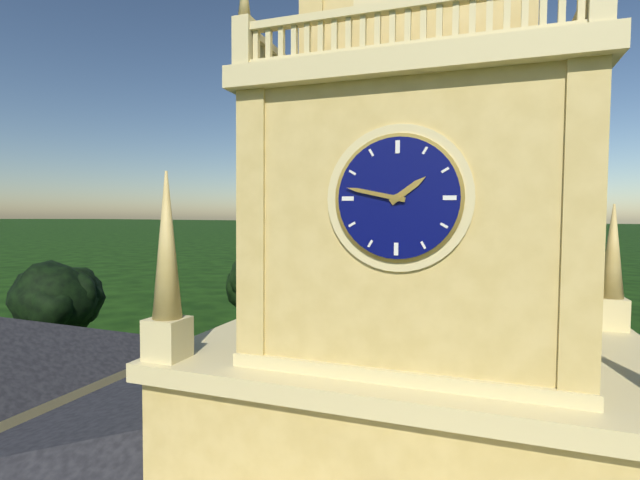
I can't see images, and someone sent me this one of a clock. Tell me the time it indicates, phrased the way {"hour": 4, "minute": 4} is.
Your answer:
{"hour": 1, "minute": 47}
